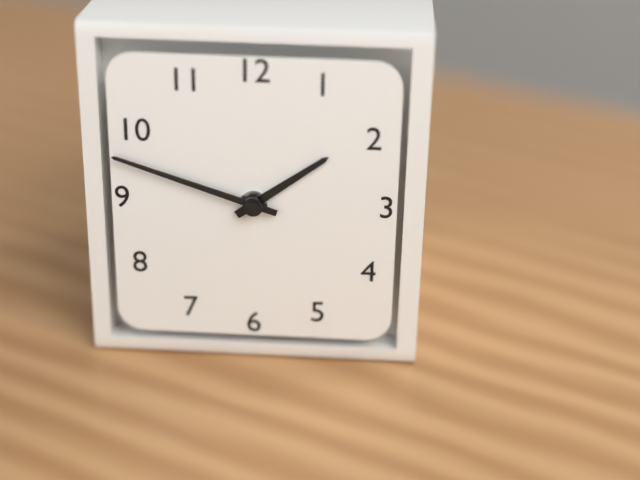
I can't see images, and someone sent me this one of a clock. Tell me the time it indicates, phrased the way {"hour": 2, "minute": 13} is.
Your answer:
{"hour": 1, "minute": 48}
